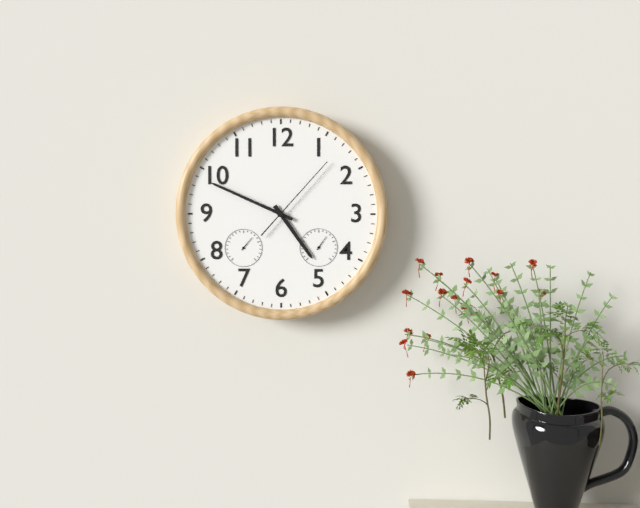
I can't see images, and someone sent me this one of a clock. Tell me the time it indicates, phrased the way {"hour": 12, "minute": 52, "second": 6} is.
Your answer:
{"hour": 4, "minute": 49, "second": 7}
